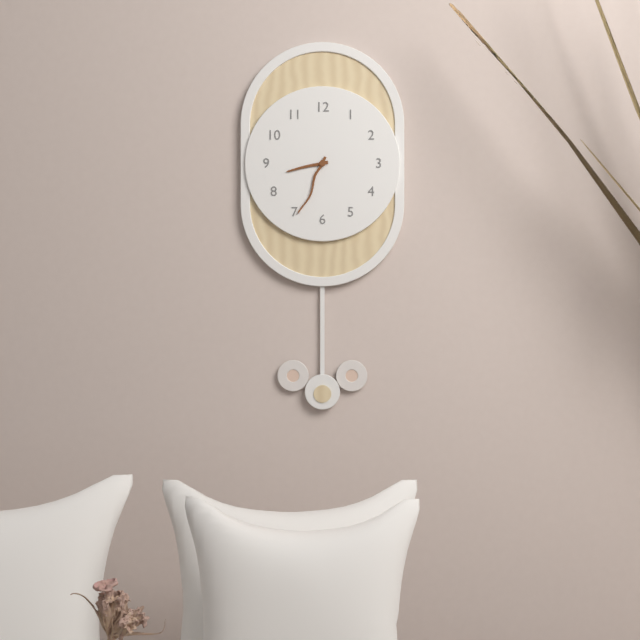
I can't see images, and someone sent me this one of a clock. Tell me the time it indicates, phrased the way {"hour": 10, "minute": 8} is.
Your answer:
{"hour": 8, "minute": 34}
